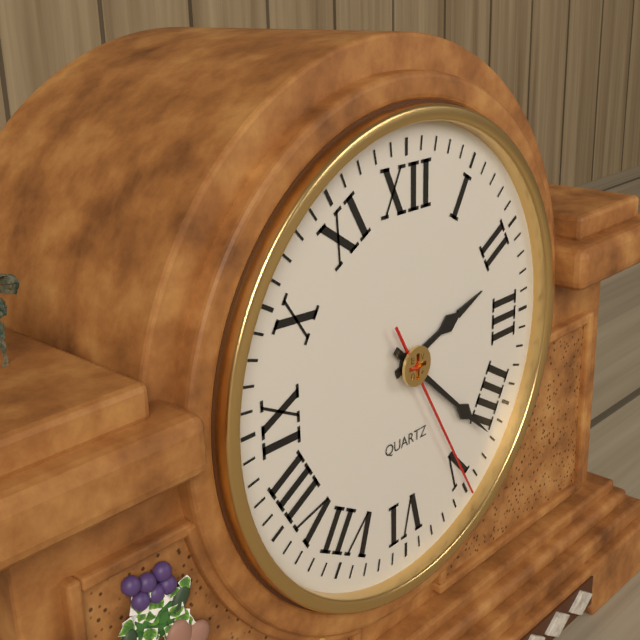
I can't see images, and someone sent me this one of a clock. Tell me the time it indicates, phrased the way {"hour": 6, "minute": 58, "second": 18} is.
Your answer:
{"hour": 2, "minute": 22, "second": 25}
